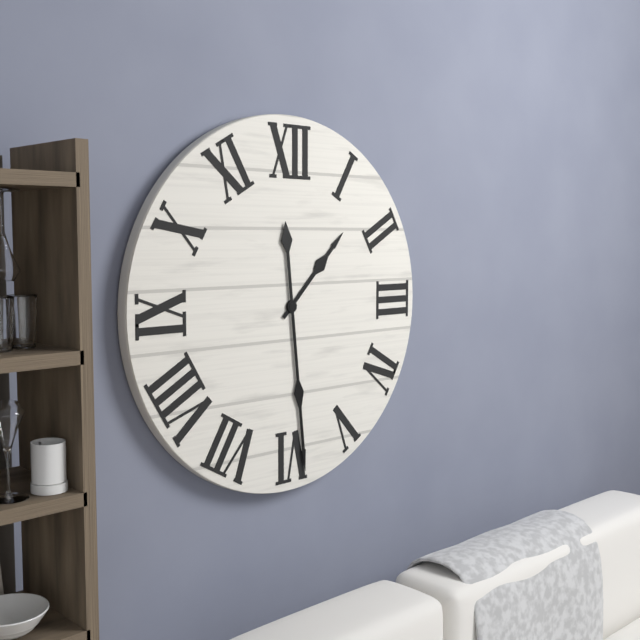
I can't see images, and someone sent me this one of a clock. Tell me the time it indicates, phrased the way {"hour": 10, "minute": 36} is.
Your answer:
{"hour": 1, "minute": 29}
